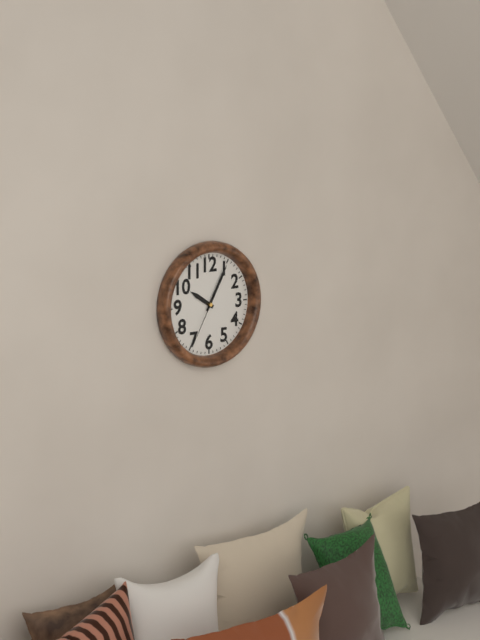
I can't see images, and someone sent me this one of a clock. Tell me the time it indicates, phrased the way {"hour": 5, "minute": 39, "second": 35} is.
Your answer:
{"hour": 10, "minute": 5, "second": 35}
